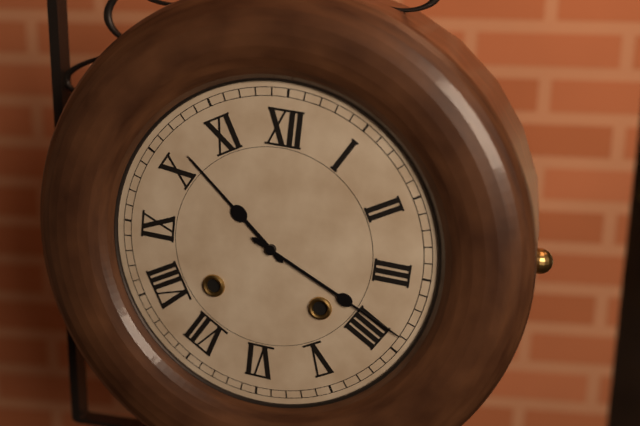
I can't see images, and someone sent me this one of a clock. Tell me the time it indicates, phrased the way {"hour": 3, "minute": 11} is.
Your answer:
{"hour": 10, "minute": 19}
